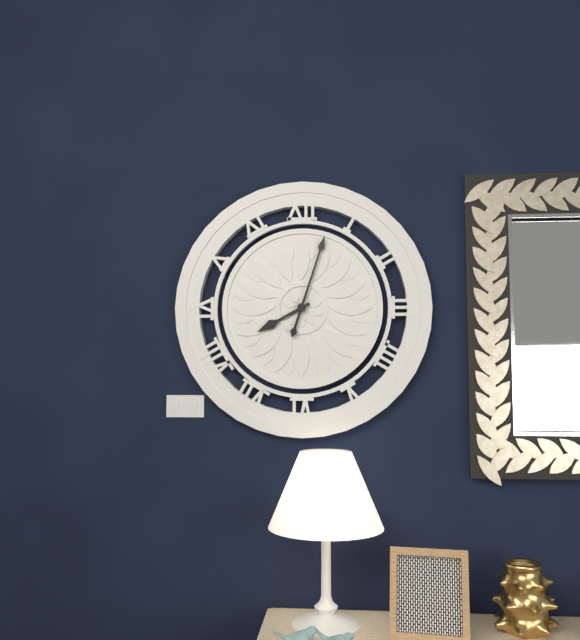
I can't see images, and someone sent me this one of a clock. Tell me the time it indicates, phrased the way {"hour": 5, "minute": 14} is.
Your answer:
{"hour": 8, "minute": 3}
